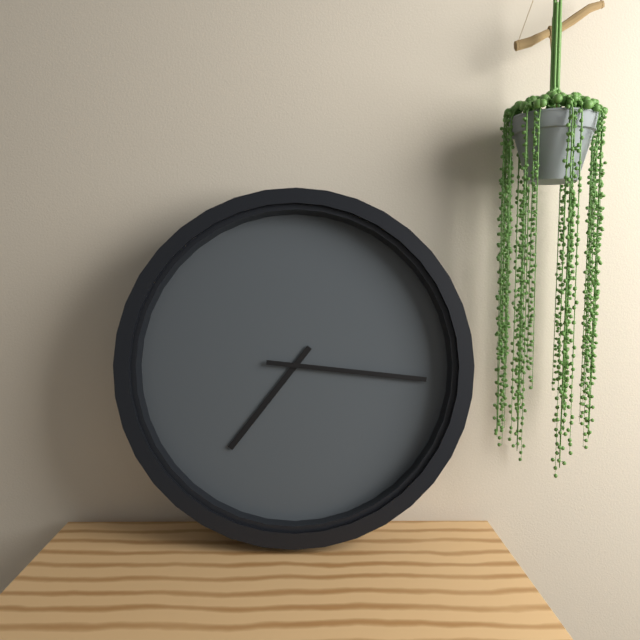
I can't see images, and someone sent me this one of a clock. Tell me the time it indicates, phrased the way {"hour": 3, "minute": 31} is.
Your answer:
{"hour": 7, "minute": 16}
